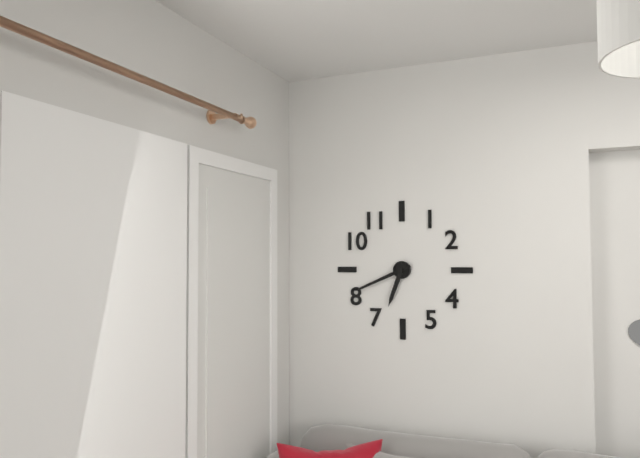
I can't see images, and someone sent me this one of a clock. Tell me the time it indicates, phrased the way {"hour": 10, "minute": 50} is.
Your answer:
{"hour": 6, "minute": 41}
